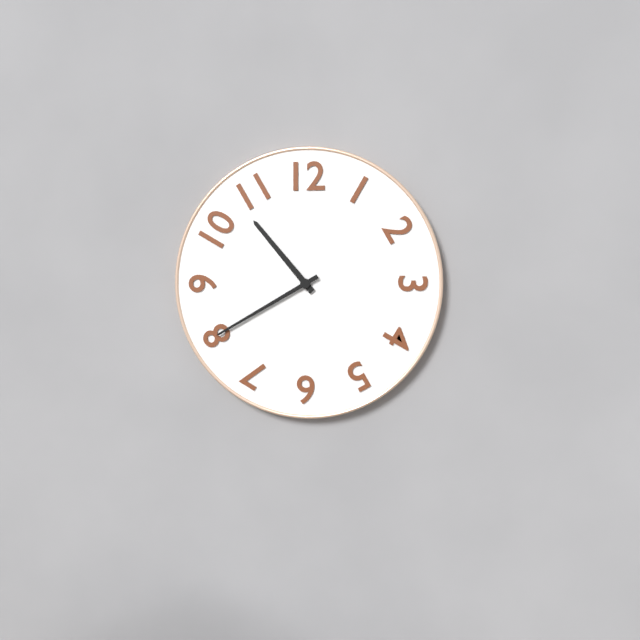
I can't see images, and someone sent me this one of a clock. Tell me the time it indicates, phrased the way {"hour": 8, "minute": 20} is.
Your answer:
{"hour": 10, "minute": 40}
